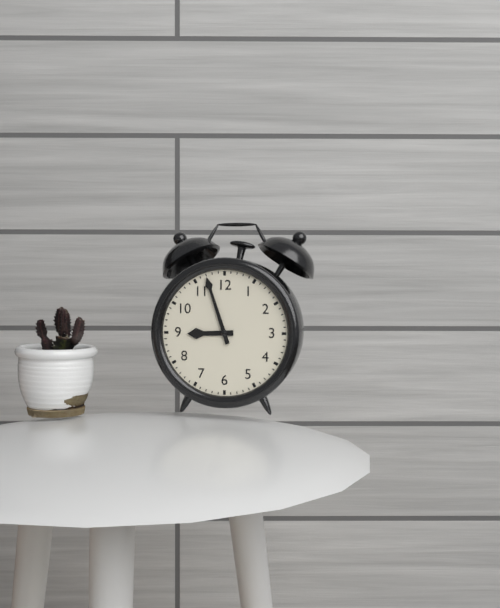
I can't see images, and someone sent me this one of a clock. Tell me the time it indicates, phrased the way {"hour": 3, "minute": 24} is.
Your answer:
{"hour": 8, "minute": 57}
